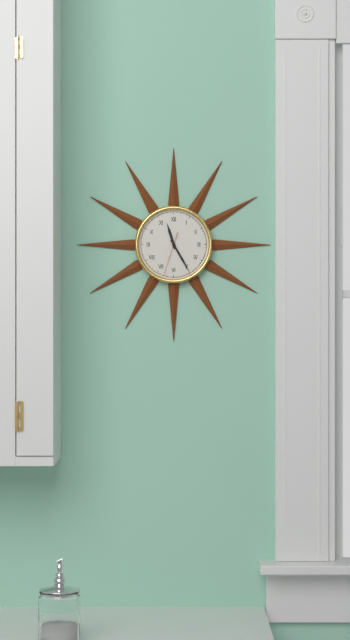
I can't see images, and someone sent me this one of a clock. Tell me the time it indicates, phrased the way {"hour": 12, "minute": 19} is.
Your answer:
{"hour": 11, "minute": 25}
